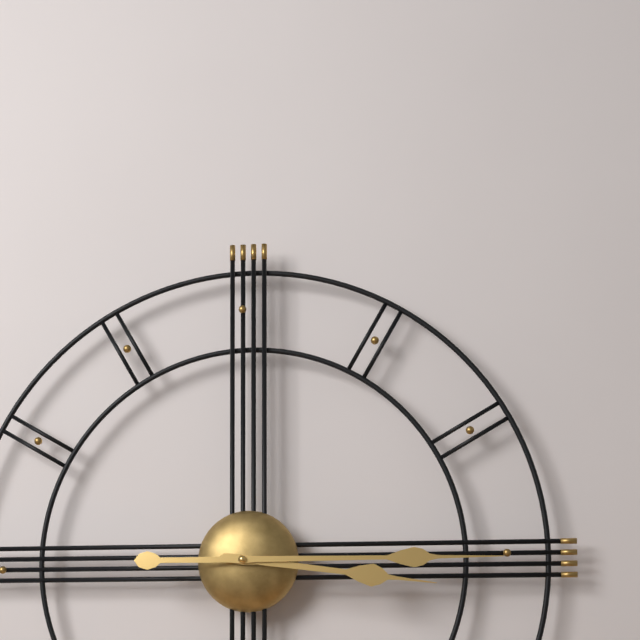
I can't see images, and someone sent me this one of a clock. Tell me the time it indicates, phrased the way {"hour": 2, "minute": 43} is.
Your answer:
{"hour": 3, "minute": 15}
